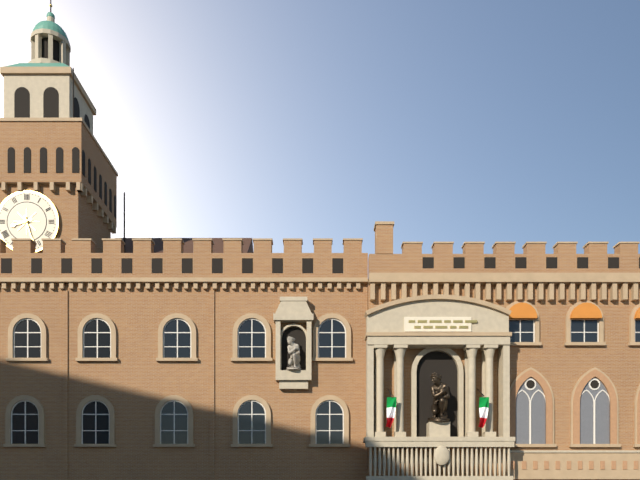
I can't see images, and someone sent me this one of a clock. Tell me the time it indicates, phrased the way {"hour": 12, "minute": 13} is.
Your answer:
{"hour": 8, "minute": 27}
